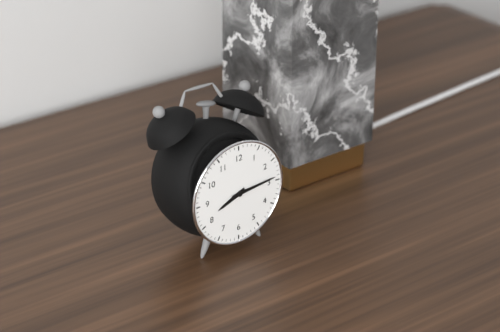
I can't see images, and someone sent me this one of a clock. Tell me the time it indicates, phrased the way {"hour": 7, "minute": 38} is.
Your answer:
{"hour": 8, "minute": 14}
